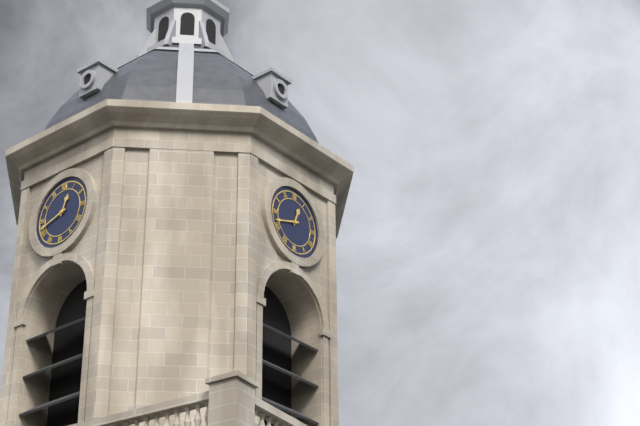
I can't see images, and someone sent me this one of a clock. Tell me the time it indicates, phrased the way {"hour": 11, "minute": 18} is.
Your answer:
{"hour": 12, "minute": 42}
